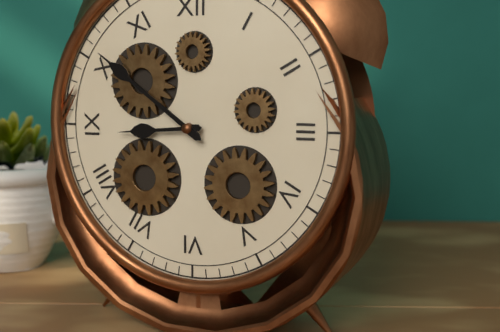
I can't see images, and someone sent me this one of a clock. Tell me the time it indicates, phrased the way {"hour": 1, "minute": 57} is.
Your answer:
{"hour": 8, "minute": 51}
